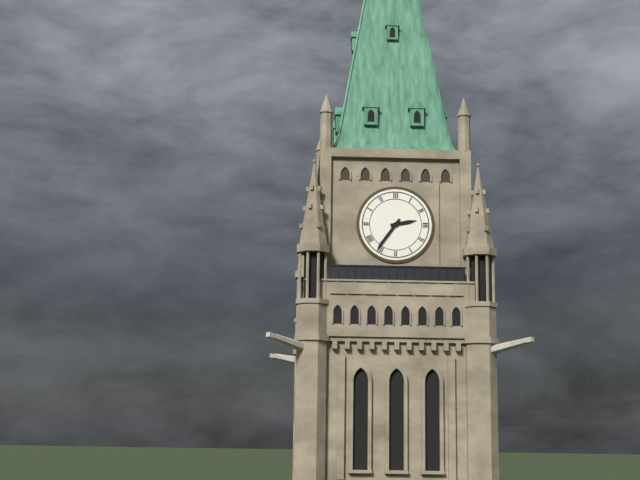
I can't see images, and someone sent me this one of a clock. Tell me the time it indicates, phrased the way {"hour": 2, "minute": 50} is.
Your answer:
{"hour": 2, "minute": 36}
